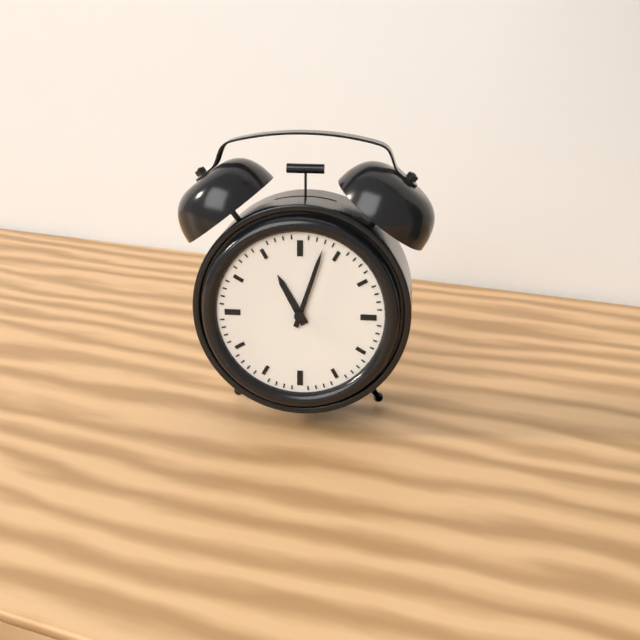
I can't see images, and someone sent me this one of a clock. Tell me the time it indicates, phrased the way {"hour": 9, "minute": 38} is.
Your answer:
{"hour": 11, "minute": 3}
